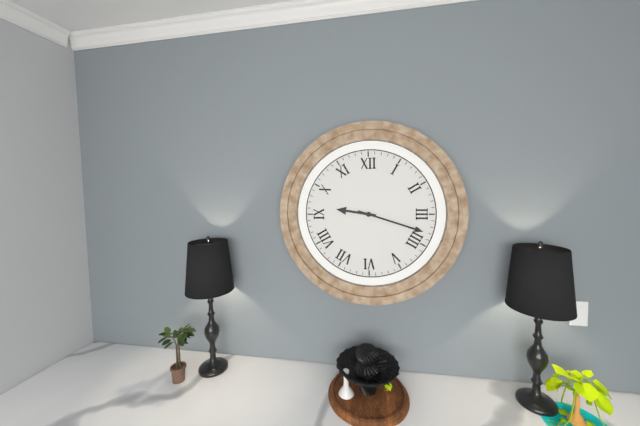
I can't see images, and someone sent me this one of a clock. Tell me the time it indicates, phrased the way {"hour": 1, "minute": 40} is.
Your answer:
{"hour": 9, "minute": 18}
